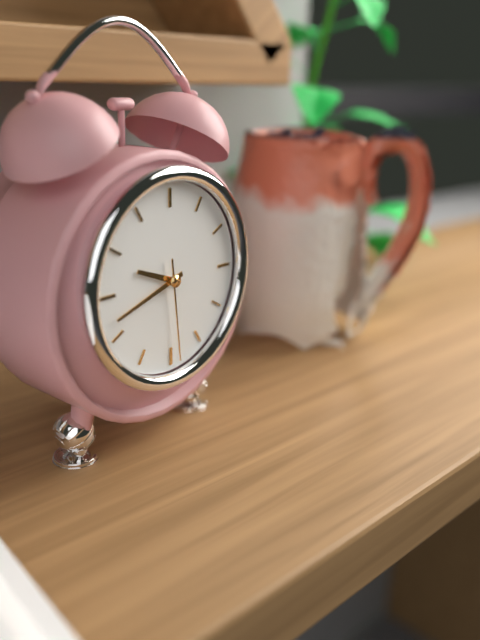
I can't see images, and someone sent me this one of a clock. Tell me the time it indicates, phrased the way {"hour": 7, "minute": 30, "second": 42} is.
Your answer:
{"hour": 9, "minute": 42, "second": 29}
